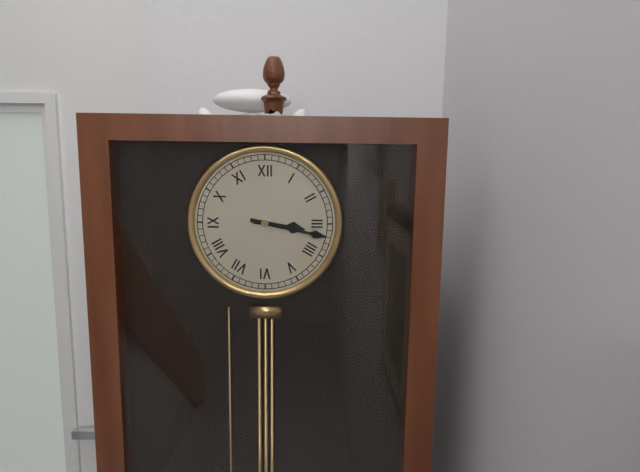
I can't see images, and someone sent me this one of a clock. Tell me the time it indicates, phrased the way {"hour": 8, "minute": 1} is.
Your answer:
{"hour": 3, "minute": 17}
